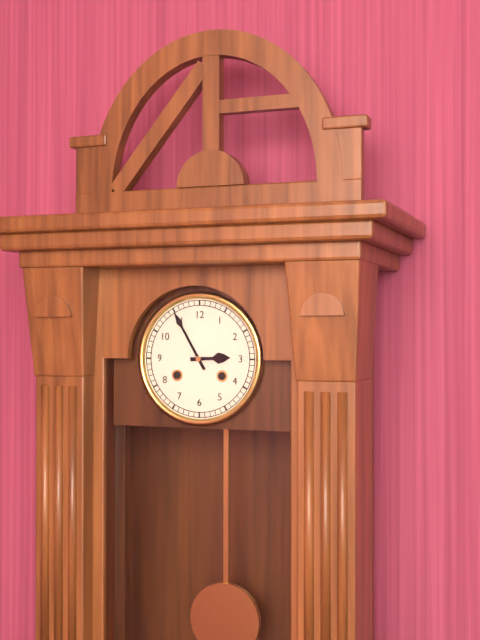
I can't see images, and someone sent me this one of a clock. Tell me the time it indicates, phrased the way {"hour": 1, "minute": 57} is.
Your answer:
{"hour": 2, "minute": 55}
